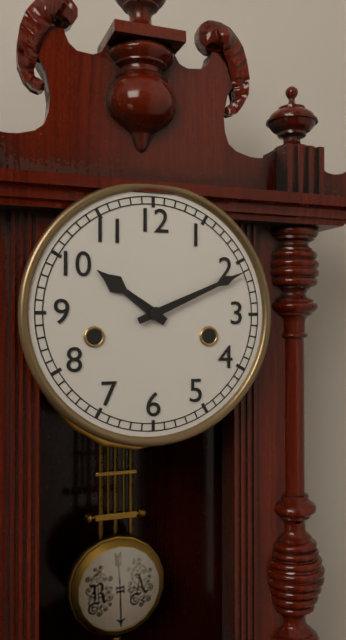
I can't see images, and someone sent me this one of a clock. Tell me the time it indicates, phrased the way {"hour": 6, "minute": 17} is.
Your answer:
{"hour": 10, "minute": 11}
